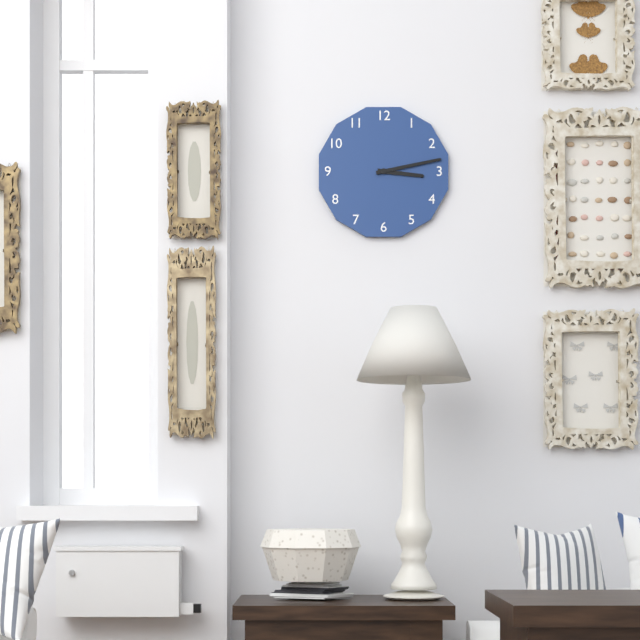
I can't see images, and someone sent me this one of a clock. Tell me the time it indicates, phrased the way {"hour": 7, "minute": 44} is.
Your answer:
{"hour": 3, "minute": 13}
